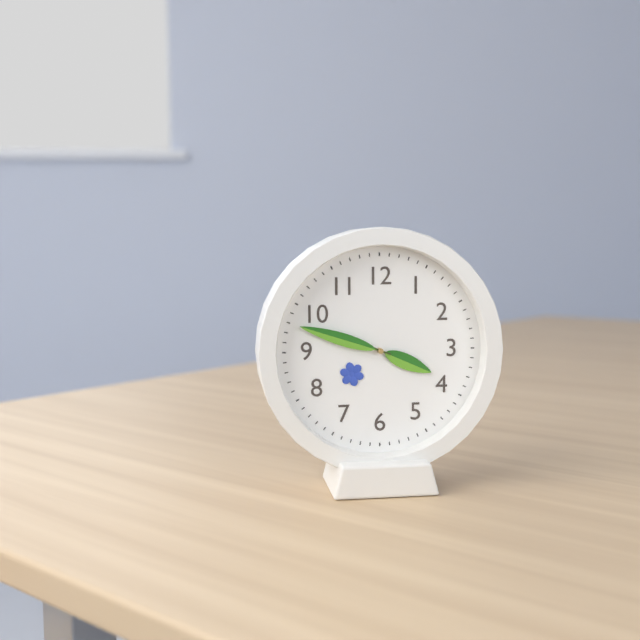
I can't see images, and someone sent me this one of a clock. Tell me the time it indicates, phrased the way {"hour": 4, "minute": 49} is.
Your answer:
{"hour": 3, "minute": 48}
